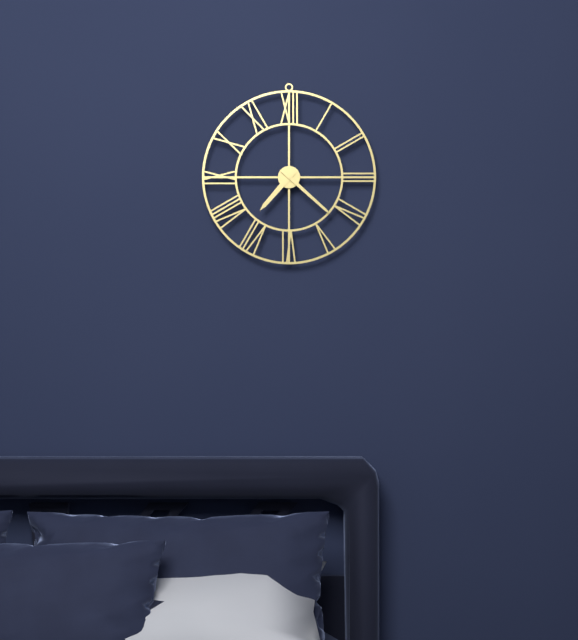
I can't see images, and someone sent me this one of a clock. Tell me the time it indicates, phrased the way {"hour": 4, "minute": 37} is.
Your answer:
{"hour": 7, "minute": 22}
